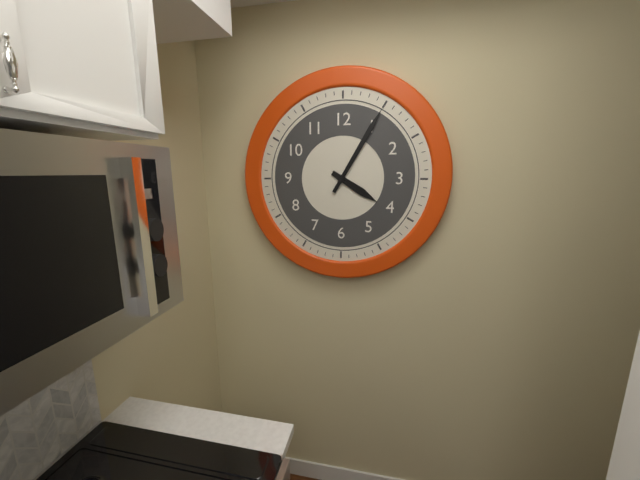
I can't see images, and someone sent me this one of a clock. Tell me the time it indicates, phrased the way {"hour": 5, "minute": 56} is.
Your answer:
{"hour": 4, "minute": 5}
